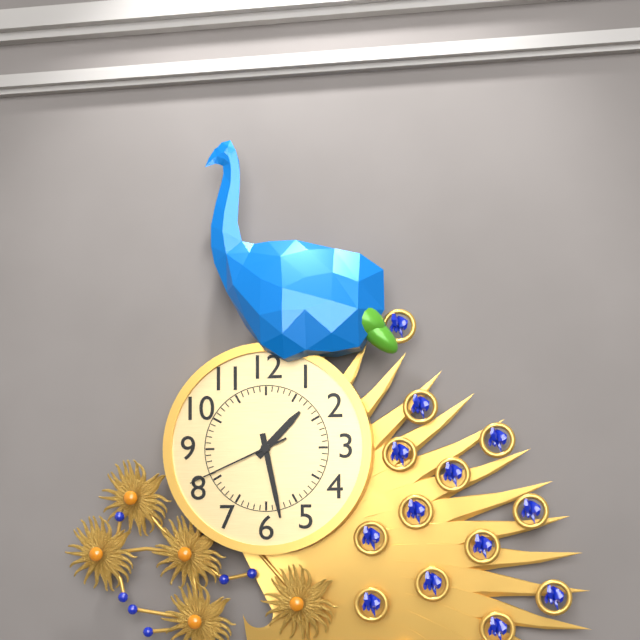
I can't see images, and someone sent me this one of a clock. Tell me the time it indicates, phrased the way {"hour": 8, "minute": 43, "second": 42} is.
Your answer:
{"hour": 1, "minute": 28, "second": 41}
